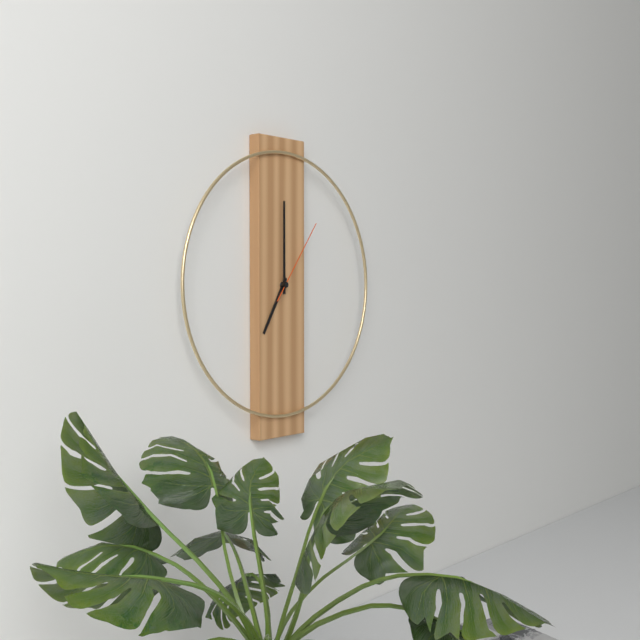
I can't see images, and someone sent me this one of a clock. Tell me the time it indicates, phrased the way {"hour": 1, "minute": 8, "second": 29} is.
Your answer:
{"hour": 7, "minute": 0, "second": 6}
